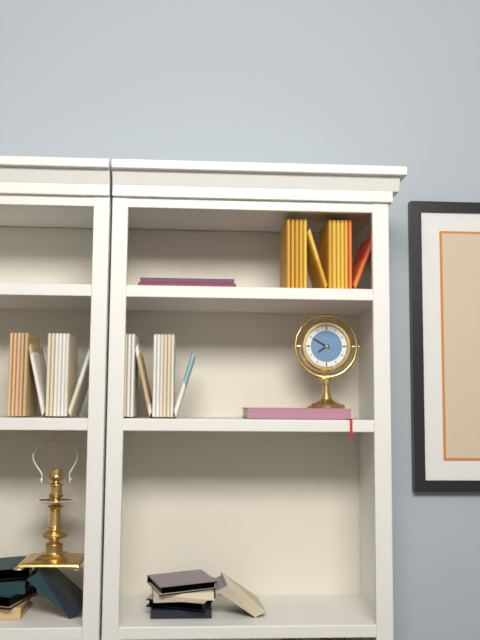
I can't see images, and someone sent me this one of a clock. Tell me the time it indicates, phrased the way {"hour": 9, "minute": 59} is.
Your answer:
{"hour": 7, "minute": 50}
